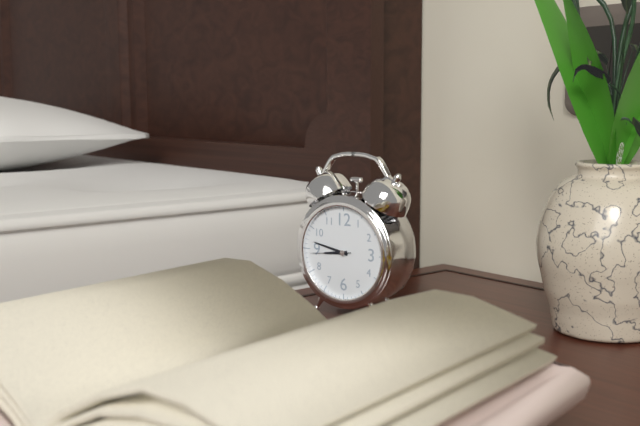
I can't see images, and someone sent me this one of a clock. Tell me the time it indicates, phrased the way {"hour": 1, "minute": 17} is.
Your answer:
{"hour": 8, "minute": 47}
